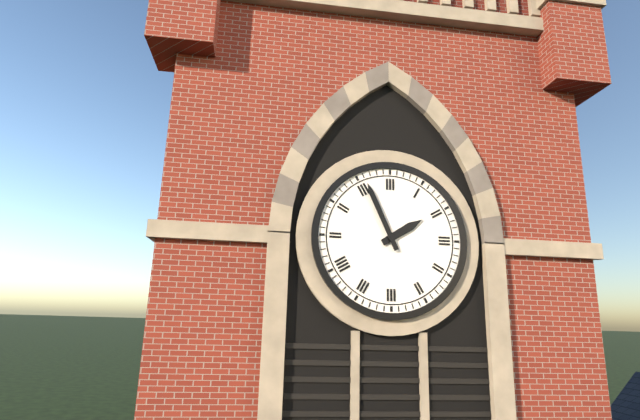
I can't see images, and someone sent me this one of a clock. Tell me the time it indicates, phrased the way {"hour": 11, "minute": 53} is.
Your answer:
{"hour": 1, "minute": 56}
